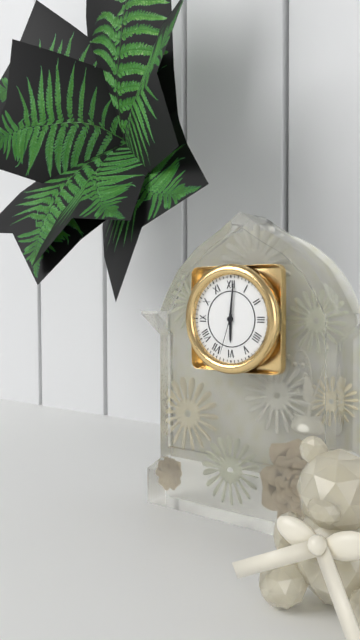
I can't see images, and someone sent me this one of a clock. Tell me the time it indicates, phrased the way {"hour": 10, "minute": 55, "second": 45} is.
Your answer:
{"hour": 6, "minute": 1, "second": 33}
